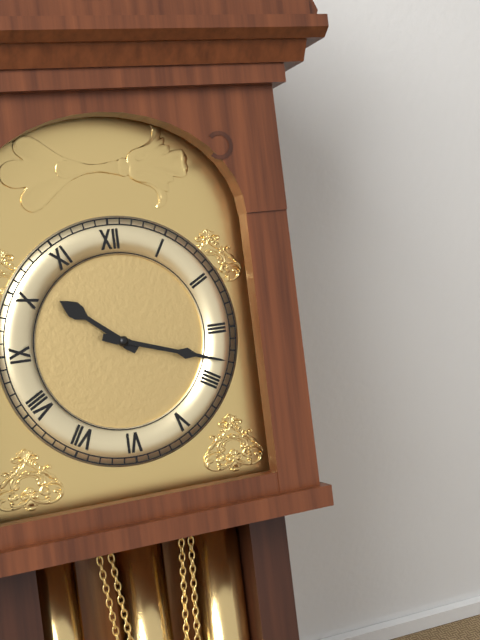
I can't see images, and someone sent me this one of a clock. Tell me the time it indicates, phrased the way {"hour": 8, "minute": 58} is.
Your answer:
{"hour": 10, "minute": 18}
